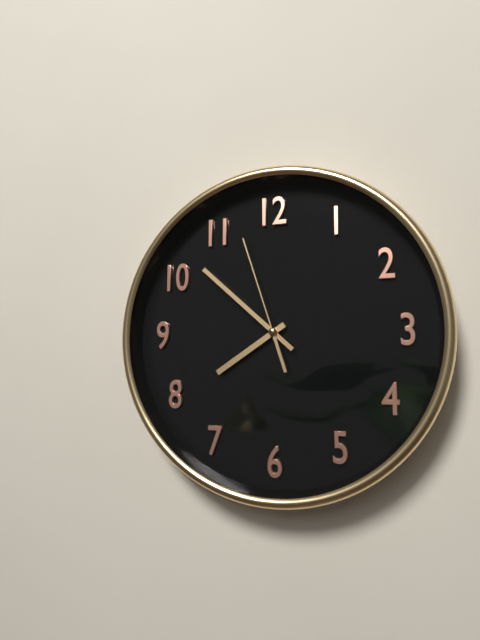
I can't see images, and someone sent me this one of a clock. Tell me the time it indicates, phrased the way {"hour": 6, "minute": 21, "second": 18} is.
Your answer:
{"hour": 7, "minute": 52, "second": 57}
